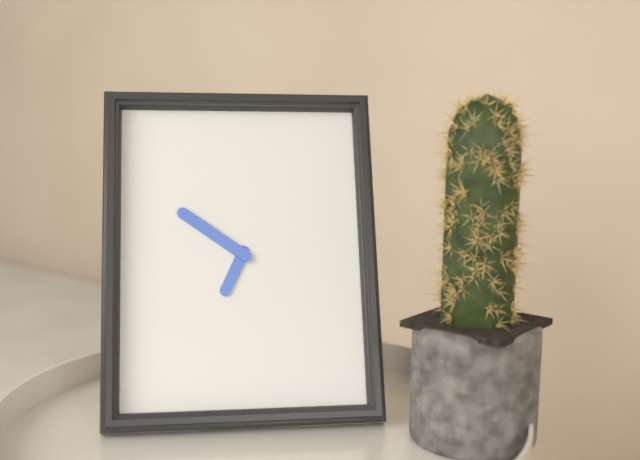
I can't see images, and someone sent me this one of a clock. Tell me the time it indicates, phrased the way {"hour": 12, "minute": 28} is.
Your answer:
{"hour": 6, "minute": 51}
